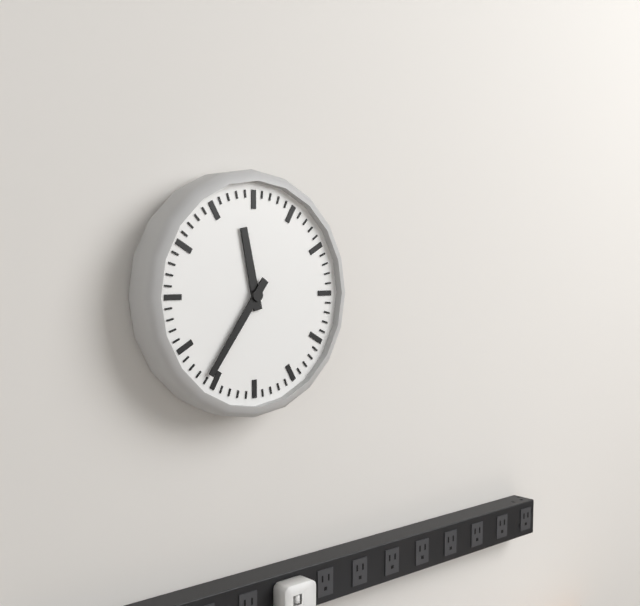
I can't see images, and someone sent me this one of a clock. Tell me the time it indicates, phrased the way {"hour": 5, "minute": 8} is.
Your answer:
{"hour": 11, "minute": 36}
